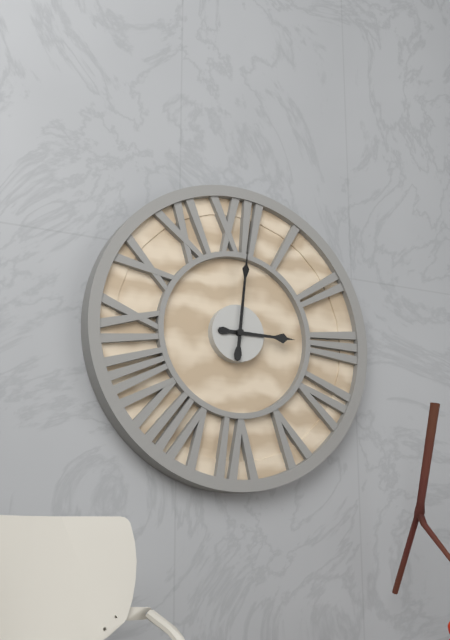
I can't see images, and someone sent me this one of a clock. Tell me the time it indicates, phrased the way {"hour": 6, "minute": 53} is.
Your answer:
{"hour": 3, "minute": 1}
